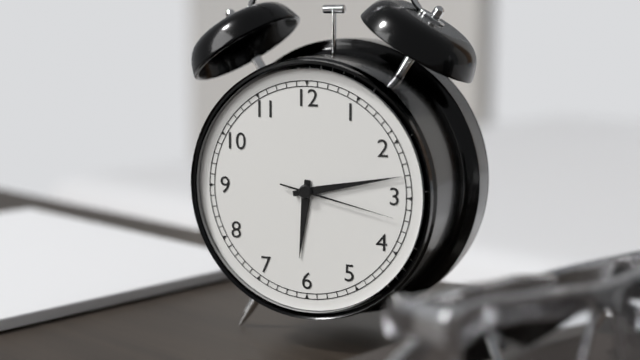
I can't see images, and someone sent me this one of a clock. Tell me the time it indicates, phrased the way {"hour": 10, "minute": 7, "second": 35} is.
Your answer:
{"hour": 6, "minute": 13, "second": 17}
